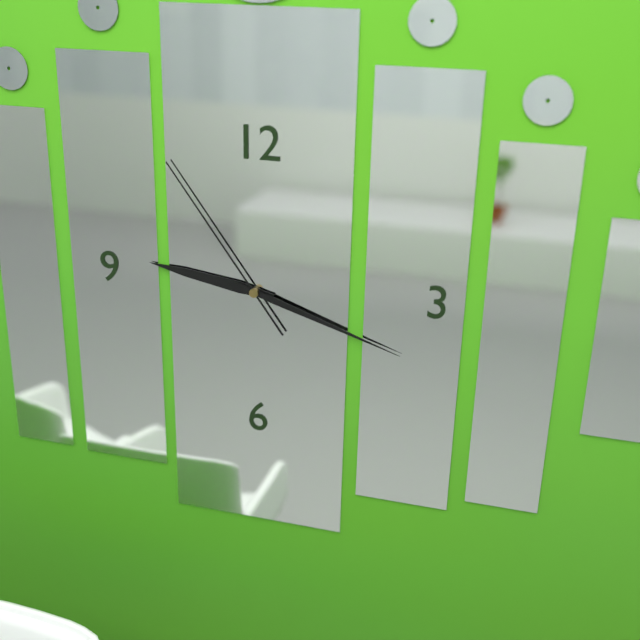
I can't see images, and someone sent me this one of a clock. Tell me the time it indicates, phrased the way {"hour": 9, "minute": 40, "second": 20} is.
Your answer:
{"hour": 9, "minute": 18, "second": 54}
